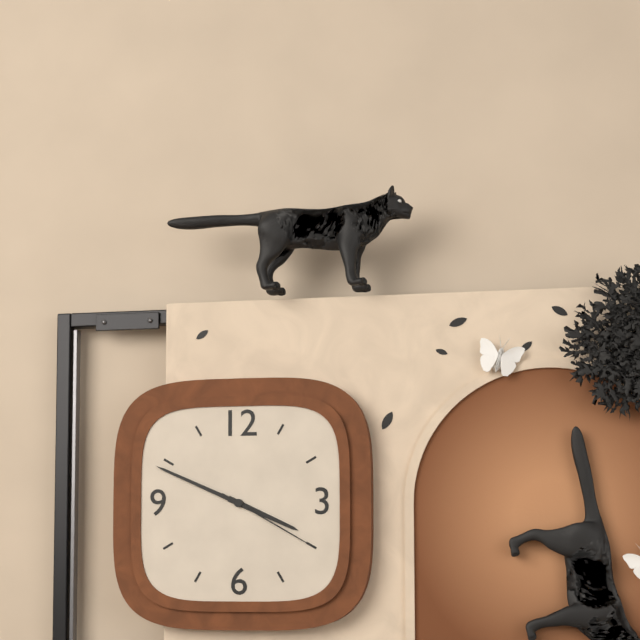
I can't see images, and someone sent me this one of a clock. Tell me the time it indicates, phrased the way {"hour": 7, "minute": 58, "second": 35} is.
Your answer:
{"hour": 3, "minute": 49, "second": 20}
